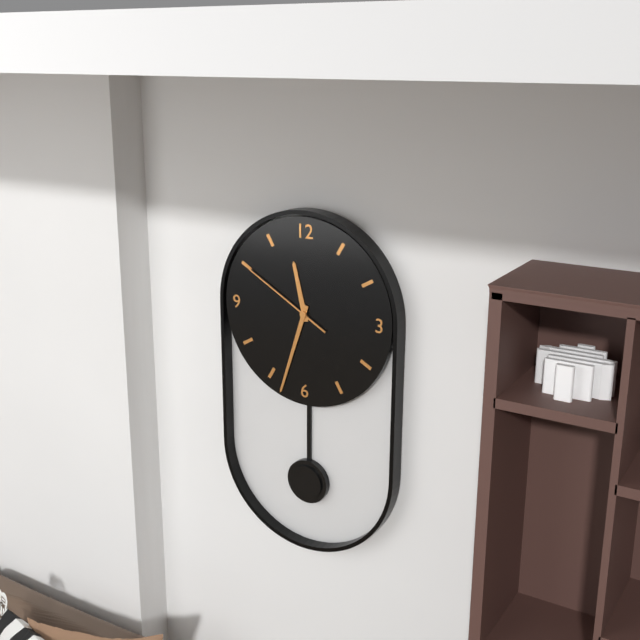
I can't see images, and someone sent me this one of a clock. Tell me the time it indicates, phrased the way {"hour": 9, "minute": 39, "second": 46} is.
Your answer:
{"hour": 11, "minute": 33, "second": 50}
